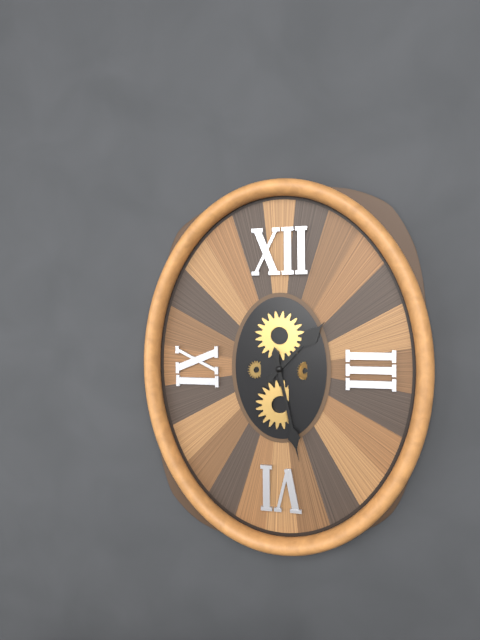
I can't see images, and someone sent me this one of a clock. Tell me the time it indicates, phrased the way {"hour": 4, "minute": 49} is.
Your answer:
{"hour": 1, "minute": 28}
